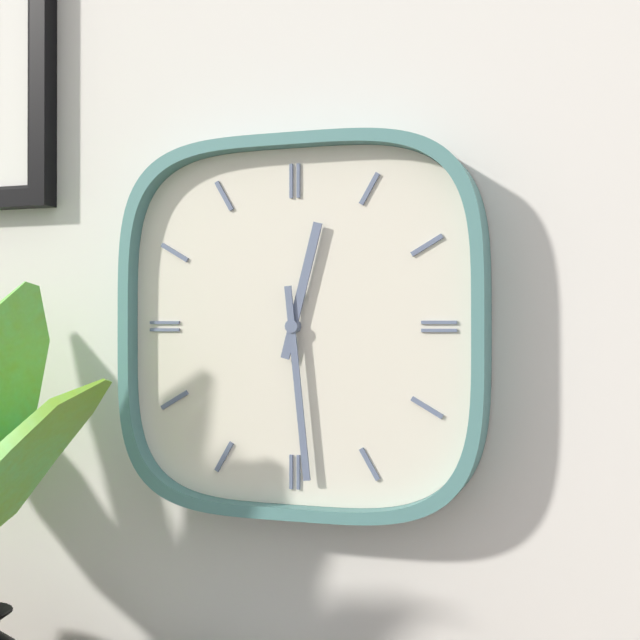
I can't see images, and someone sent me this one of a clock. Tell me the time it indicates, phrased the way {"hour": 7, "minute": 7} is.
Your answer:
{"hour": 12, "minute": 29}
